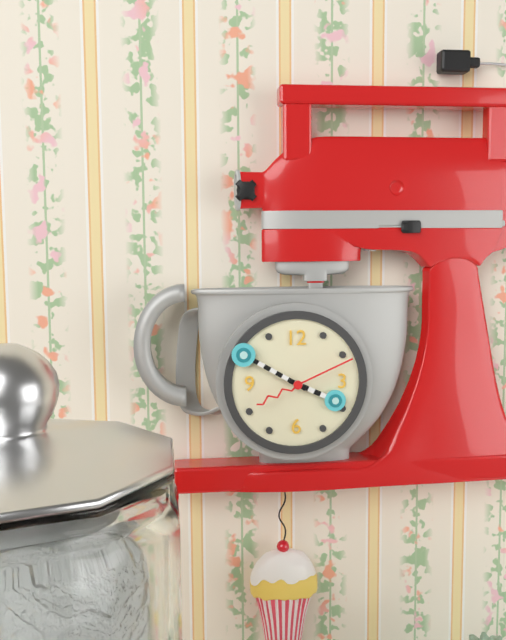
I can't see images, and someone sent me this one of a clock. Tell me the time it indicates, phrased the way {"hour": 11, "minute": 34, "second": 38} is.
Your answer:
{"hour": 3, "minute": 50, "second": 11}
